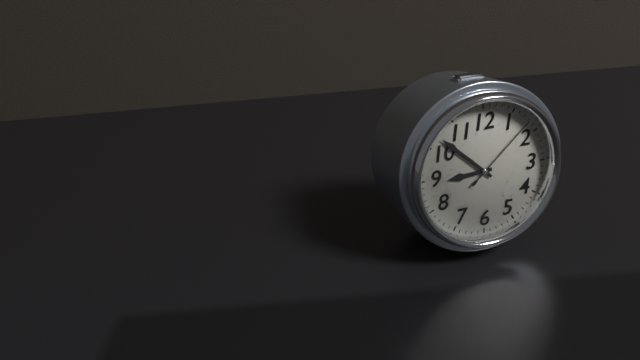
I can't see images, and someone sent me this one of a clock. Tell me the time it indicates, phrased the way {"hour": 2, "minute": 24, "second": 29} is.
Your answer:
{"hour": 8, "minute": 52, "second": 8}
